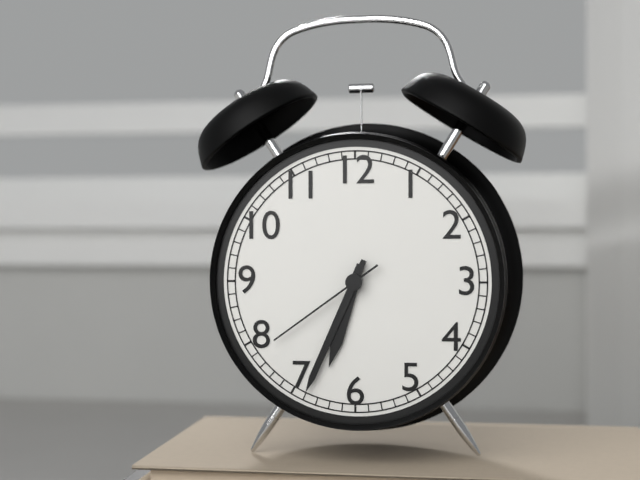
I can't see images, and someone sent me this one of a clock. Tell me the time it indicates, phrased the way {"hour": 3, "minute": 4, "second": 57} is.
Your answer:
{"hour": 6, "minute": 34, "second": 39}
